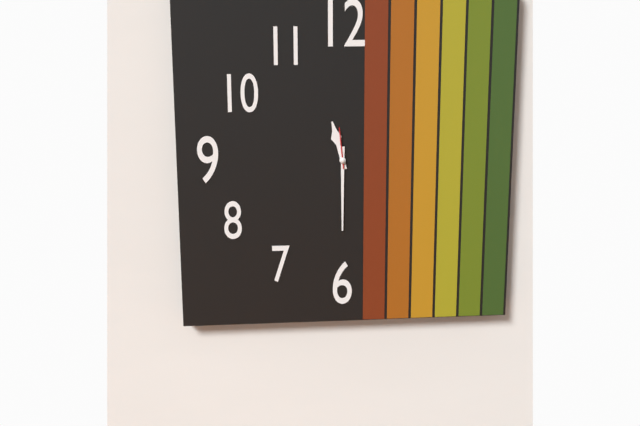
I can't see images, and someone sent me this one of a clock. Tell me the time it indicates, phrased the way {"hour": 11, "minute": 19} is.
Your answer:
{"hour": 11, "minute": 30}
